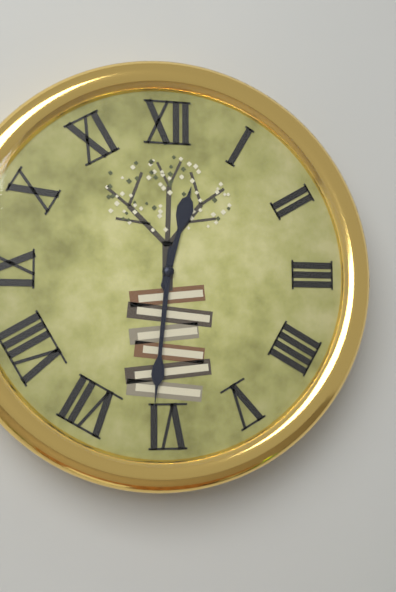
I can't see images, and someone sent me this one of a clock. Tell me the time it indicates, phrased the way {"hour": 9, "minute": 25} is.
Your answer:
{"hour": 12, "minute": 31}
